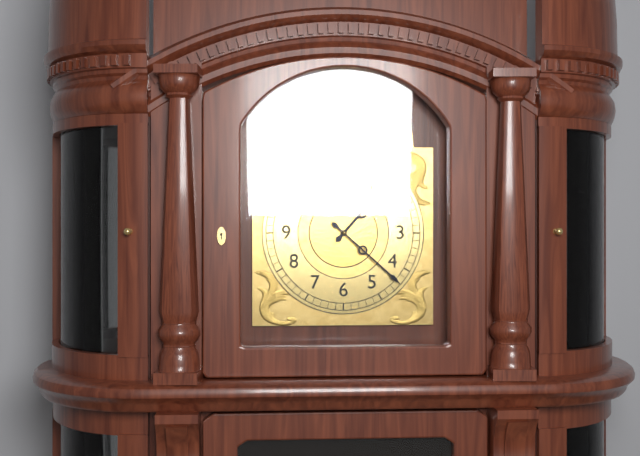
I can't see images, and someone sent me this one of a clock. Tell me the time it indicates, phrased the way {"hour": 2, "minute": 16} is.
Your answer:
{"hour": 1, "minute": 22}
